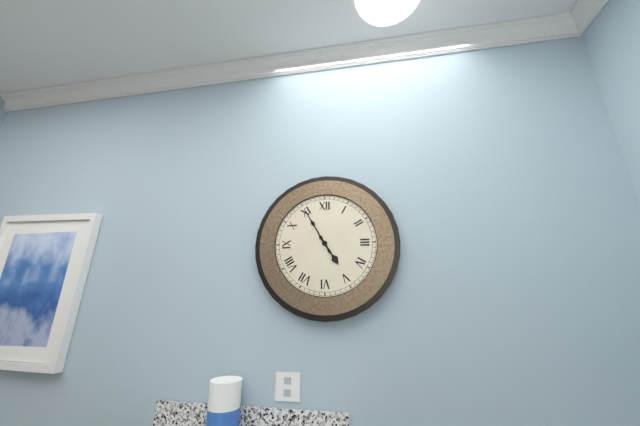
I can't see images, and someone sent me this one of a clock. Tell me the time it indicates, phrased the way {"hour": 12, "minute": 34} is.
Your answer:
{"hour": 4, "minute": 55}
